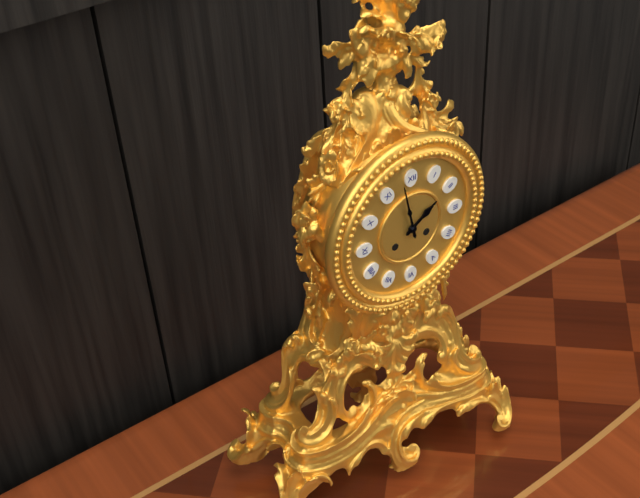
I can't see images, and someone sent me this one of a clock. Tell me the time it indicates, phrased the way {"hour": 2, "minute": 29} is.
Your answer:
{"hour": 1, "minute": 58}
